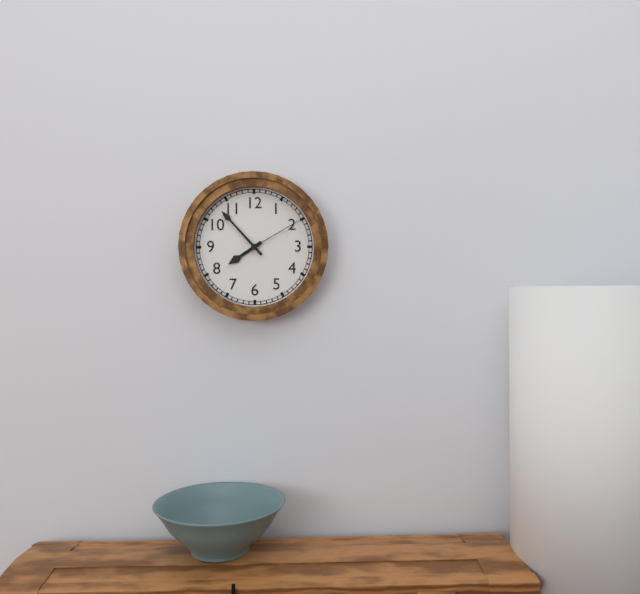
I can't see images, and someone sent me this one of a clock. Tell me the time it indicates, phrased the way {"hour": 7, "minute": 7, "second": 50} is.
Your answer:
{"hour": 7, "minute": 53, "second": 10}
